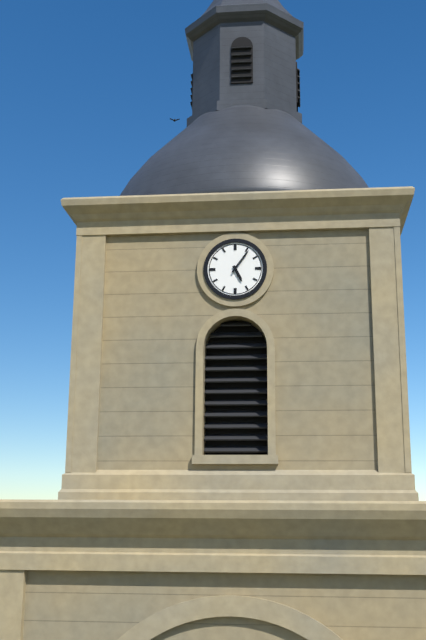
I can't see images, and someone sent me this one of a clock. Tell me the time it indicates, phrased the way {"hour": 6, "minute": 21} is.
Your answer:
{"hour": 5, "minute": 6}
